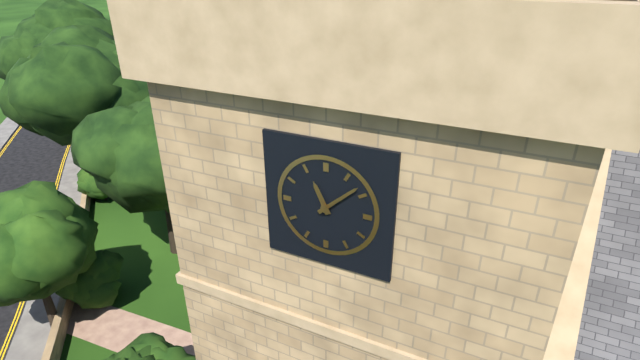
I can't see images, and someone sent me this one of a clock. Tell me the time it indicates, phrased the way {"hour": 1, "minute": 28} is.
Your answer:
{"hour": 11, "minute": 8}
